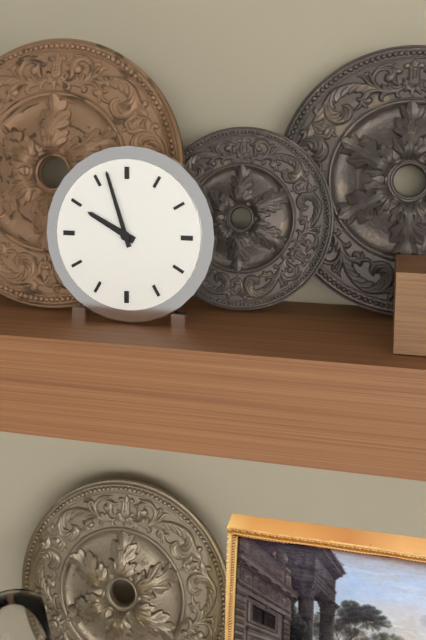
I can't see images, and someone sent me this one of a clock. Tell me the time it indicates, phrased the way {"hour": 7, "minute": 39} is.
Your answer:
{"hour": 9, "minute": 57}
